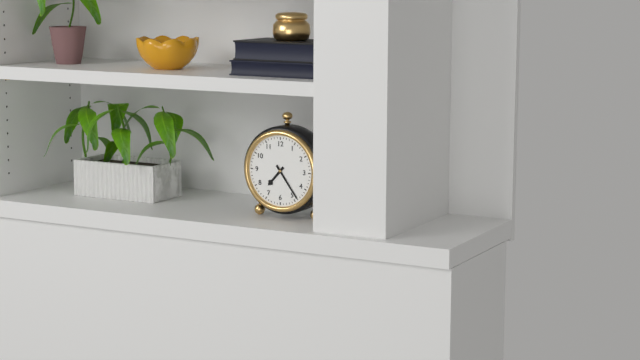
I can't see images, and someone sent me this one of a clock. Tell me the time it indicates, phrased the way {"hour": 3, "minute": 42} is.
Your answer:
{"hour": 7, "minute": 24}
